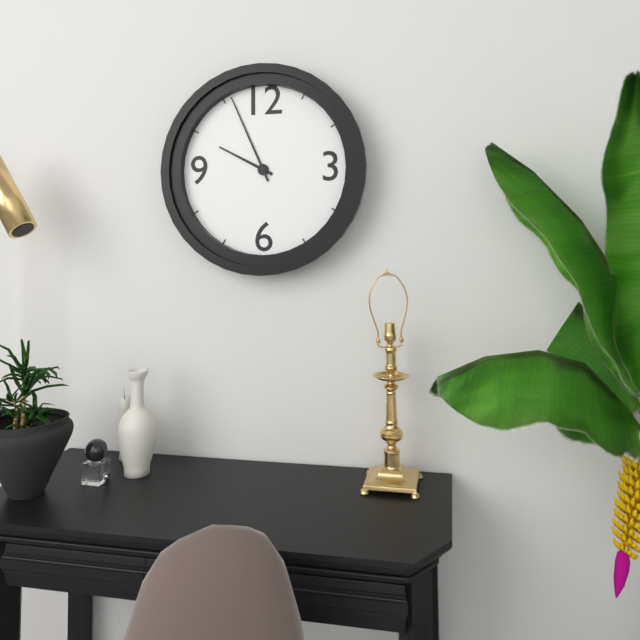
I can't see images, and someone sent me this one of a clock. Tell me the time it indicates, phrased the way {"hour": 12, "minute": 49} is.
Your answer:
{"hour": 9, "minute": 56}
